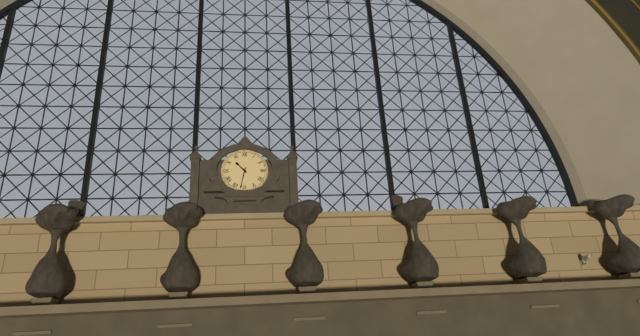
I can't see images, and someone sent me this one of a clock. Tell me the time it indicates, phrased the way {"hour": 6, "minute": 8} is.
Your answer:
{"hour": 10, "minute": 32}
